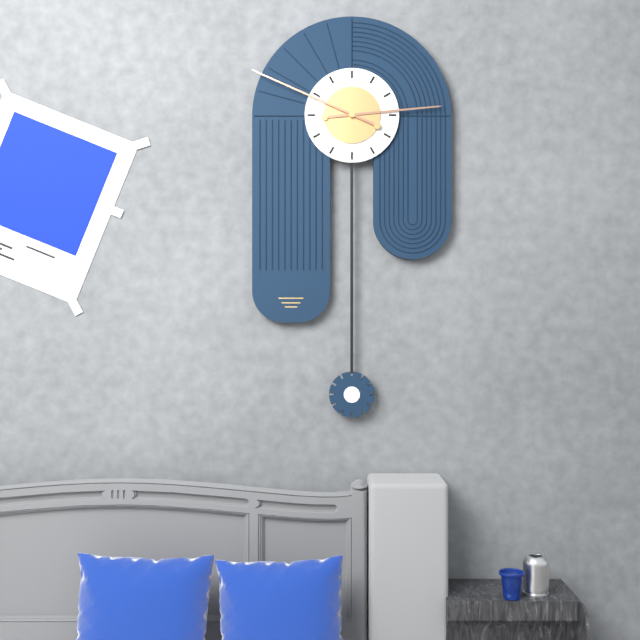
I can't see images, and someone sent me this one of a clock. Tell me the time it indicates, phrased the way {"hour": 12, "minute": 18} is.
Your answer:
{"hour": 2, "minute": 49}
